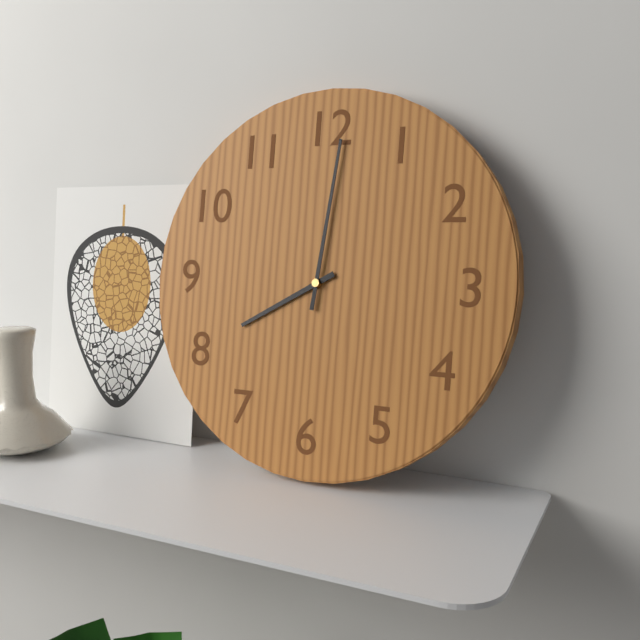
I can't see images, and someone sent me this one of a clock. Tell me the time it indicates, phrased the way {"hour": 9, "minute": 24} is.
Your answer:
{"hour": 8, "minute": 1}
